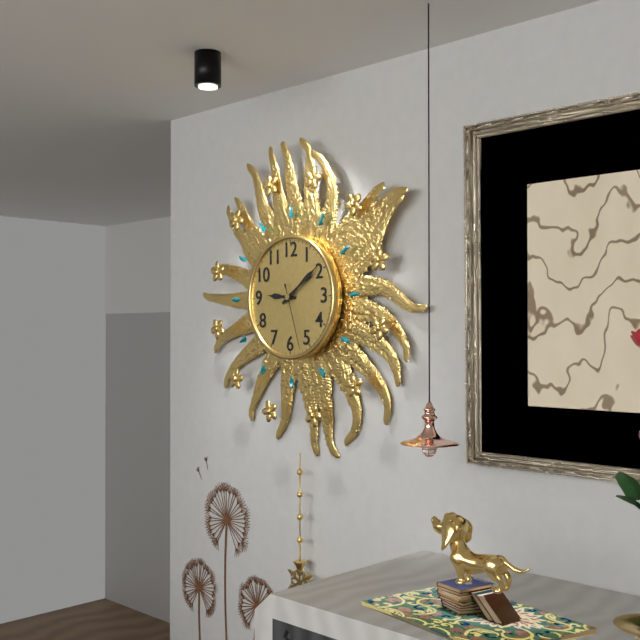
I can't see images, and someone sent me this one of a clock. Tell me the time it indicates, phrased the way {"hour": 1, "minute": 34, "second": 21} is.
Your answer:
{"hour": 9, "minute": 9, "second": 27}
